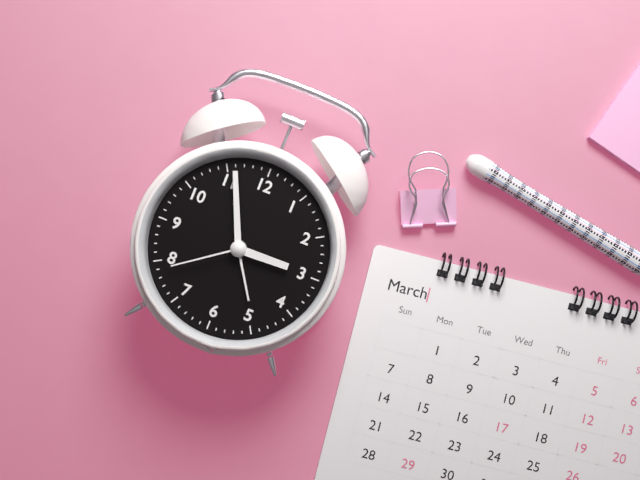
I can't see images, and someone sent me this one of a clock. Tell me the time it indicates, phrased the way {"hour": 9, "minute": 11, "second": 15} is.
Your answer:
{"hour": 2, "minute": 56, "second": 39}
